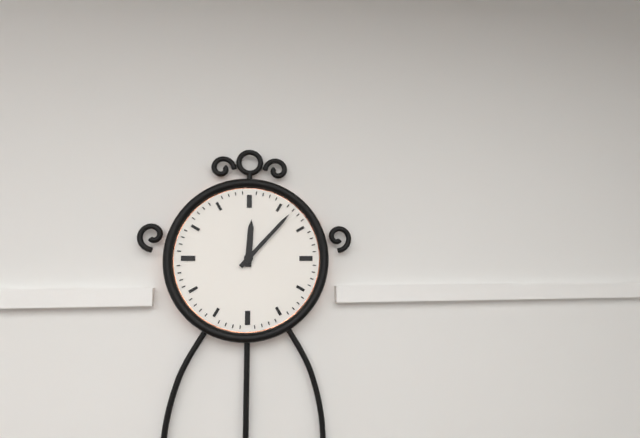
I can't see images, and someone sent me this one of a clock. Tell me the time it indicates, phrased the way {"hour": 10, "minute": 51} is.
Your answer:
{"hour": 12, "minute": 7}
